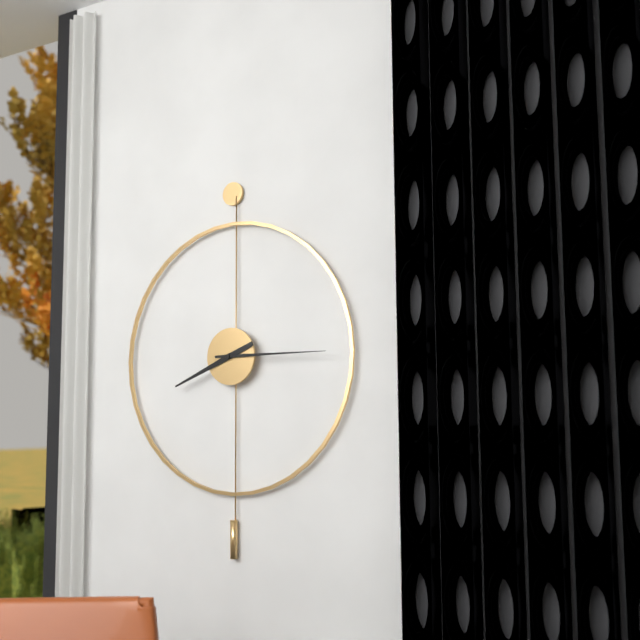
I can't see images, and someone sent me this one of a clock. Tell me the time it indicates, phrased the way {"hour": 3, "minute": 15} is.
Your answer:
{"hour": 8, "minute": 15}
